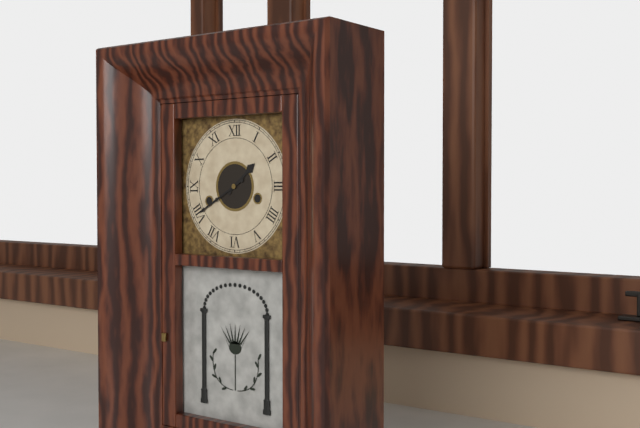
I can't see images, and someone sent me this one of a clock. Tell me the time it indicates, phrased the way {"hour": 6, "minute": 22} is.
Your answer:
{"hour": 1, "minute": 40}
